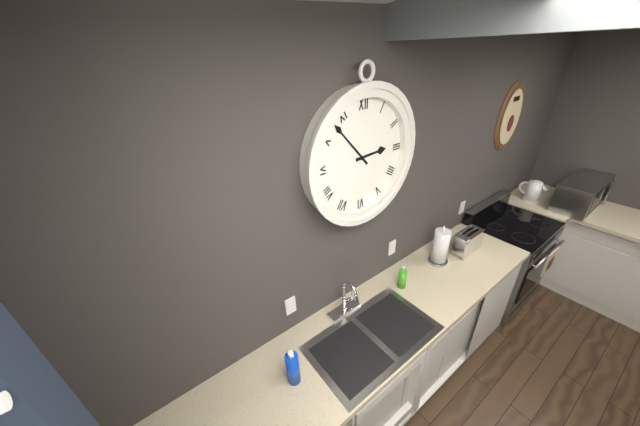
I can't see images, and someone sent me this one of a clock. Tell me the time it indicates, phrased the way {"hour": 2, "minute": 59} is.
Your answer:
{"hour": 2, "minute": 53}
